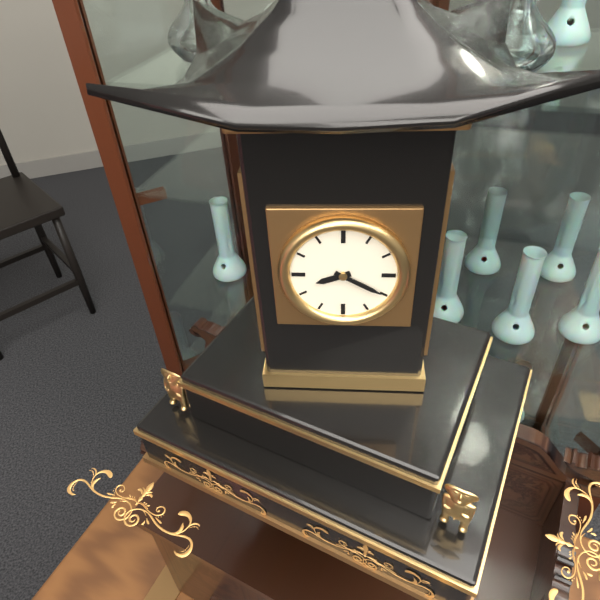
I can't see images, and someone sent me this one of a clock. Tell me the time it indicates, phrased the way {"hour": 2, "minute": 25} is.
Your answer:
{"hour": 8, "minute": 20}
